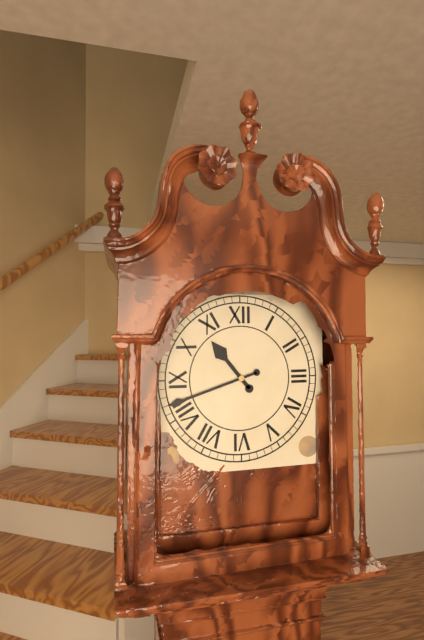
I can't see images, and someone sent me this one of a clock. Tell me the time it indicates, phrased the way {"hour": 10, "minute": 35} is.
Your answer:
{"hour": 10, "minute": 42}
